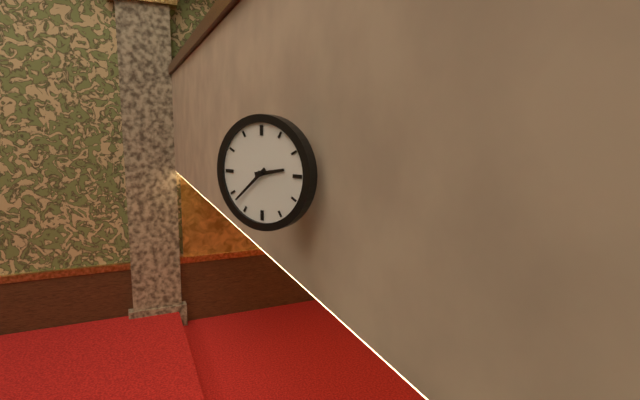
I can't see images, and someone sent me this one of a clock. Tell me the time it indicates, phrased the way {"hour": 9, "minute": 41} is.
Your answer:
{"hour": 2, "minute": 38}
